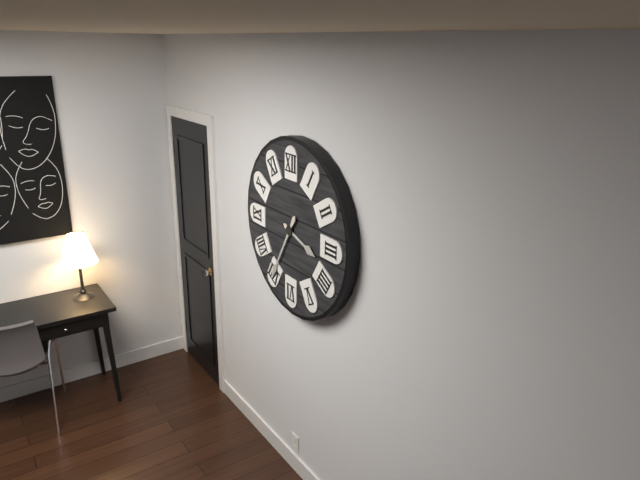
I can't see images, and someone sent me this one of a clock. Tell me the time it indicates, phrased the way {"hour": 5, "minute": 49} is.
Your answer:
{"hour": 3, "minute": 35}
